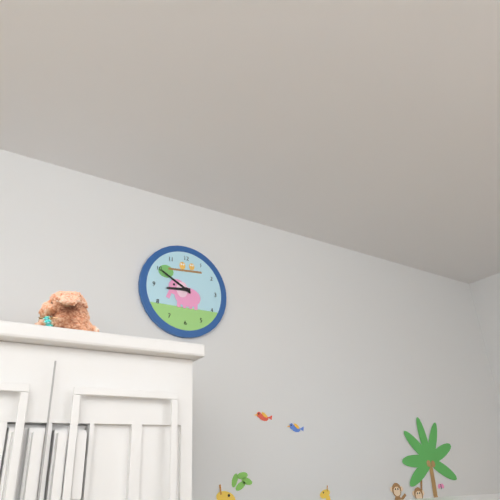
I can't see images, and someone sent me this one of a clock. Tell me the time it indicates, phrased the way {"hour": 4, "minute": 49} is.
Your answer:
{"hour": 8, "minute": 50}
